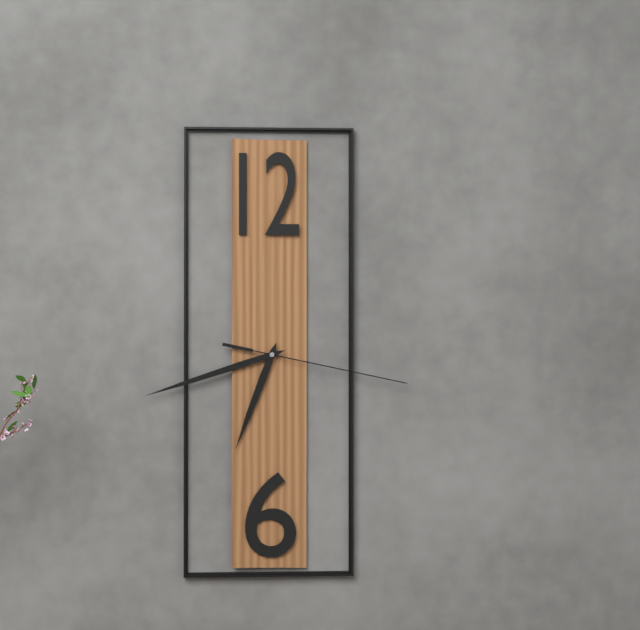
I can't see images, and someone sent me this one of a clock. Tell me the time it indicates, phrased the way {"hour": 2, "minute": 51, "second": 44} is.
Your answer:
{"hour": 6, "minute": 42, "second": 17}
